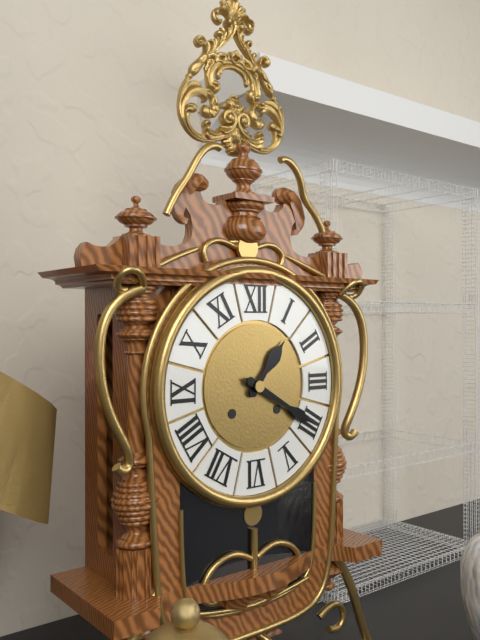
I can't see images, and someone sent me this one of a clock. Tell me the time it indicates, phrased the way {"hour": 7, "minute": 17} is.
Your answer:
{"hour": 1, "minute": 20}
